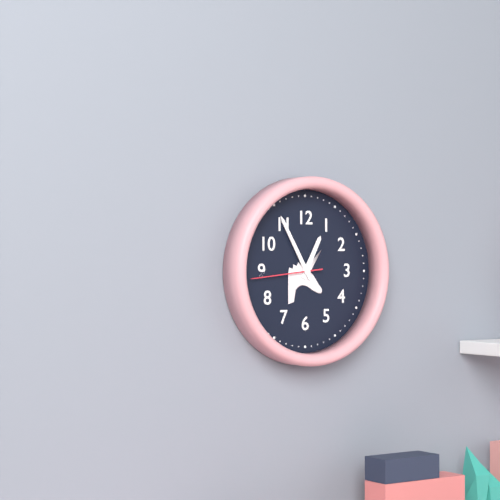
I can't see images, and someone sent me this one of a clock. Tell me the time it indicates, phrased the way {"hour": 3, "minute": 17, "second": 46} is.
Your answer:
{"hour": 12, "minute": 55, "second": 44}
